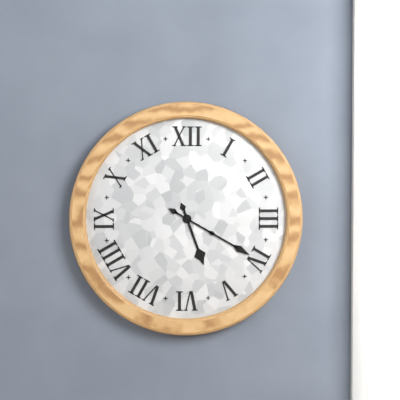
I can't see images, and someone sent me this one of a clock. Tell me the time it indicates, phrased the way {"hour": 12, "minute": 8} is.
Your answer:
{"hour": 5, "minute": 20}
